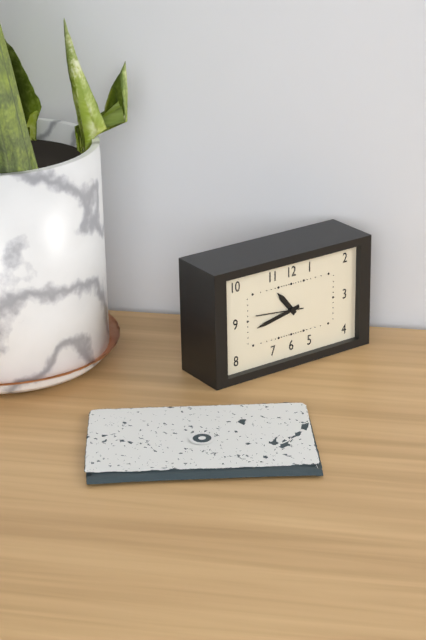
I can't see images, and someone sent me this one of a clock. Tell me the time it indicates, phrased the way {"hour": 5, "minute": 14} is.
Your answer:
{"hour": 10, "minute": 43}
